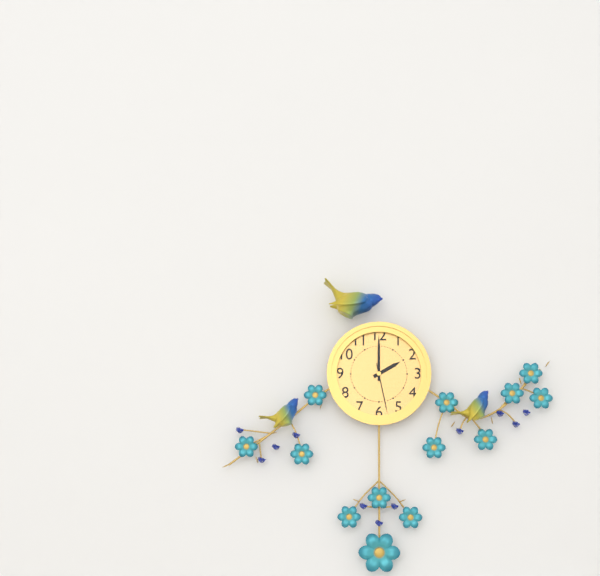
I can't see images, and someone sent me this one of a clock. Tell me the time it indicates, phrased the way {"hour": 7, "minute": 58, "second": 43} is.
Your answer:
{"hour": 2, "minute": 0, "second": 28}
